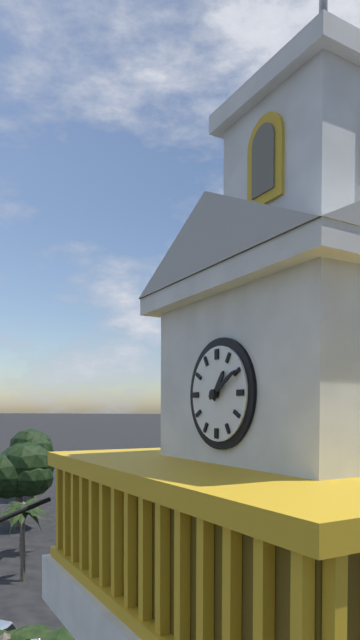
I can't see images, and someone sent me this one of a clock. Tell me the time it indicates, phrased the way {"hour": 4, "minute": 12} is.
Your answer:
{"hour": 1, "minute": 10}
